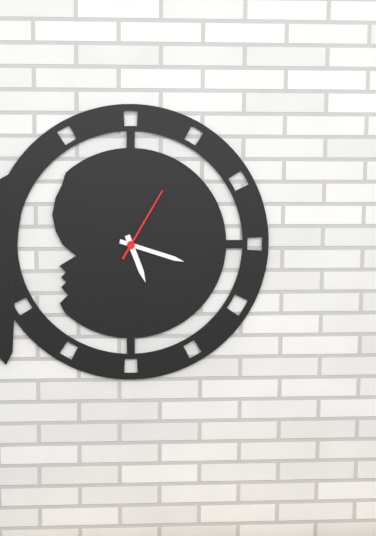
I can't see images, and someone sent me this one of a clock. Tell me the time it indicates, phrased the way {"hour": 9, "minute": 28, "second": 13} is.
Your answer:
{"hour": 5, "minute": 18, "second": 5}
